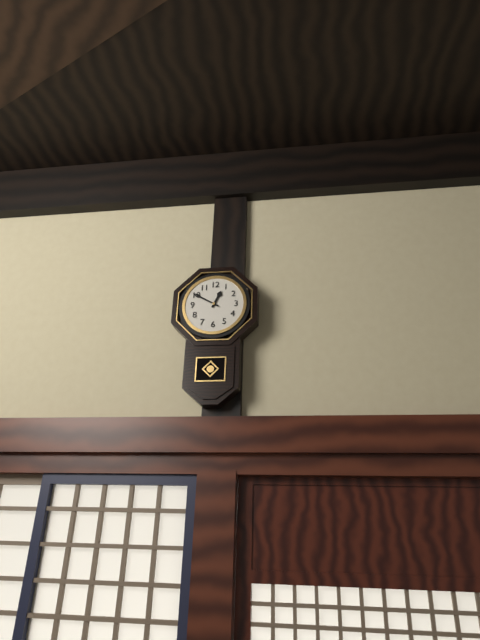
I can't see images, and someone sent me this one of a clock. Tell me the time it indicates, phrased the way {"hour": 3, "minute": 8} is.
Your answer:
{"hour": 12, "minute": 50}
